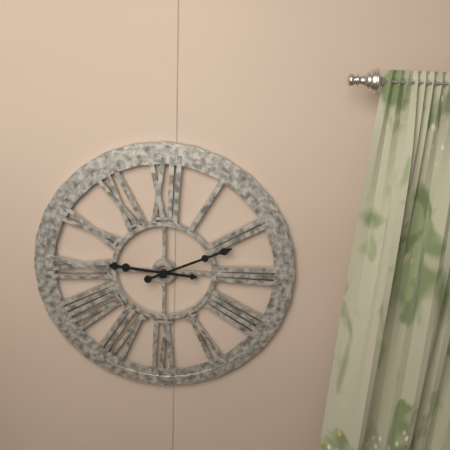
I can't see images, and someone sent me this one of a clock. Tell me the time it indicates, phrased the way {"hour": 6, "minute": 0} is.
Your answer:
{"hour": 9, "minute": 11}
